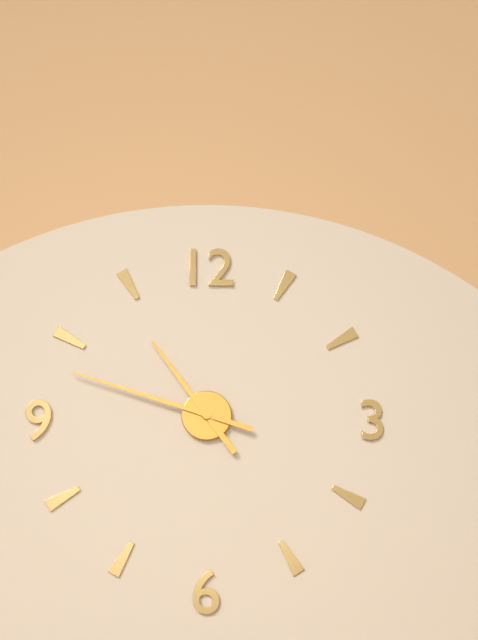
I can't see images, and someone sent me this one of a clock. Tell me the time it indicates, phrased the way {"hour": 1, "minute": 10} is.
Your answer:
{"hour": 10, "minute": 48}
